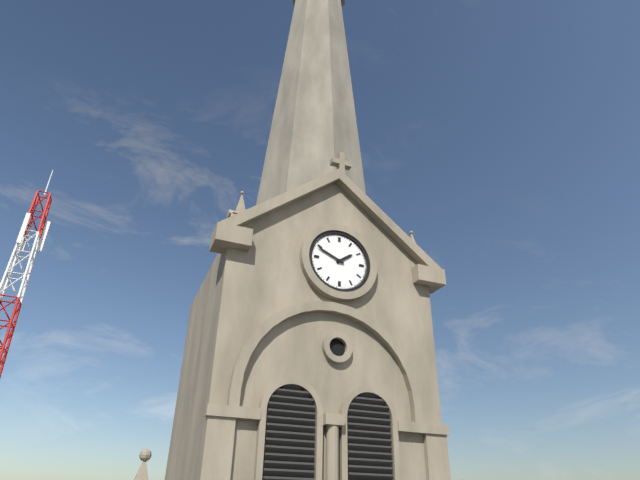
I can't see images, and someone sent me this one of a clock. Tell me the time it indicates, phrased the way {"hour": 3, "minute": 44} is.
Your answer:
{"hour": 1, "minute": 49}
